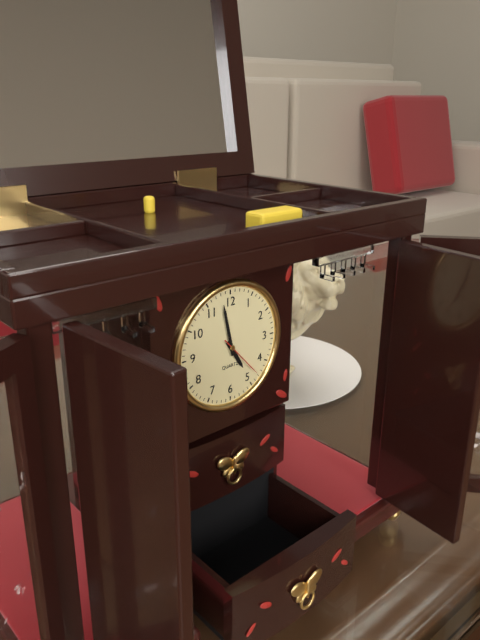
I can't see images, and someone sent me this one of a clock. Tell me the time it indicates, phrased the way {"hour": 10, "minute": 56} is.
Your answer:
{"hour": 4, "minute": 58}
